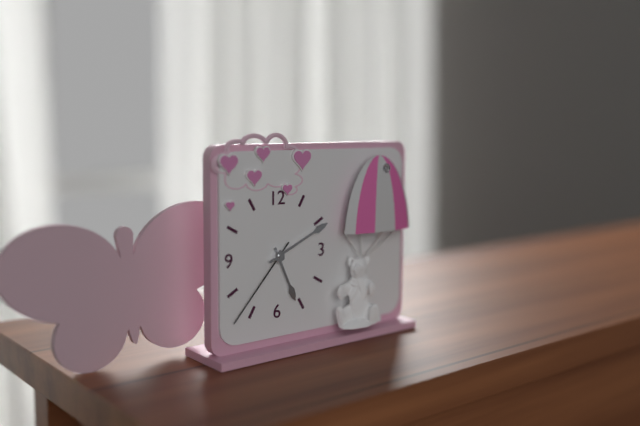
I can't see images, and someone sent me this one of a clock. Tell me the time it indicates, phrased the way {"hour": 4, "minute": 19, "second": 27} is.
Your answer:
{"hour": 5, "minute": 11, "second": 37}
